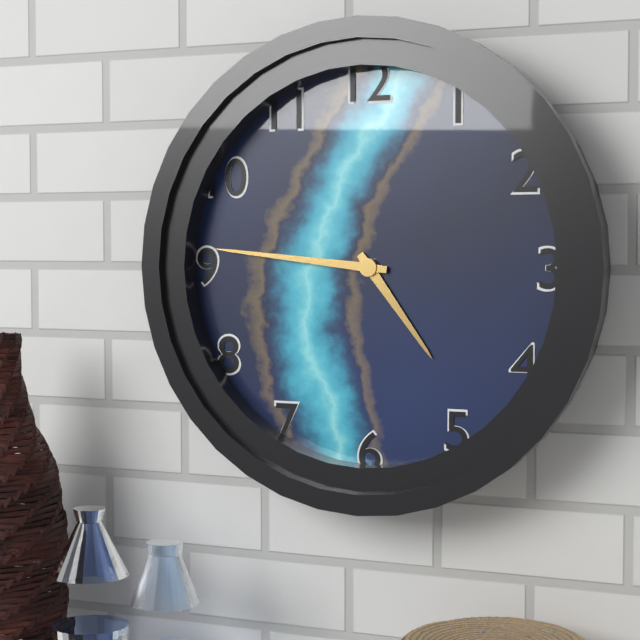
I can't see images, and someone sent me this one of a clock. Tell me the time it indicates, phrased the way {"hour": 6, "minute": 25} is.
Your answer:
{"hour": 4, "minute": 46}
